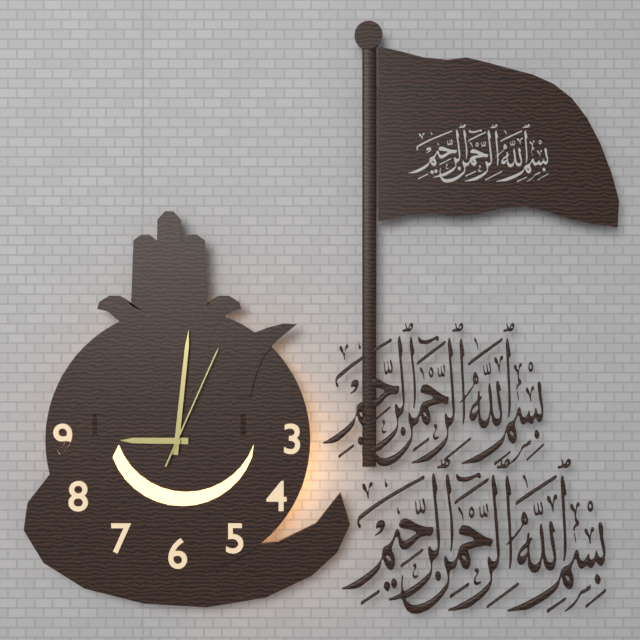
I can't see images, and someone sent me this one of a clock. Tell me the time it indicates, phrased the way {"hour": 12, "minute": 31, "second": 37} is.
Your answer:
{"hour": 9, "minute": 1, "second": 4}
